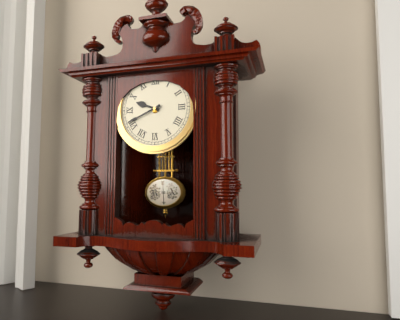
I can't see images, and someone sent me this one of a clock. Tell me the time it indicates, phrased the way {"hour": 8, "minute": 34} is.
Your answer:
{"hour": 9, "minute": 41}
